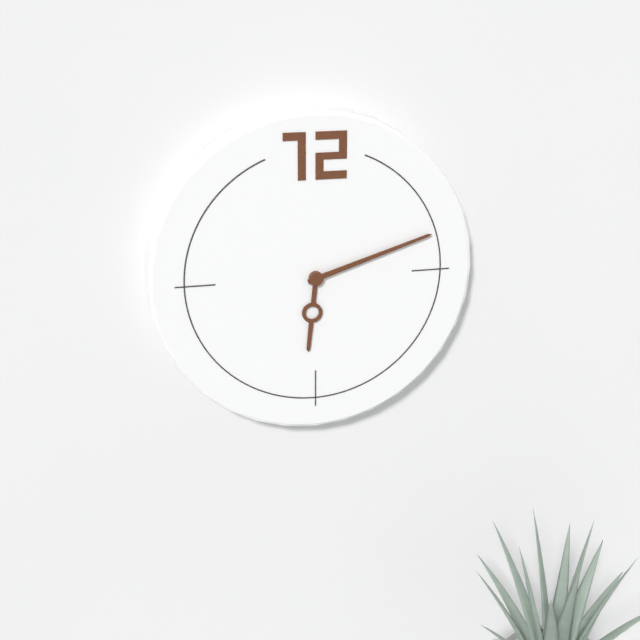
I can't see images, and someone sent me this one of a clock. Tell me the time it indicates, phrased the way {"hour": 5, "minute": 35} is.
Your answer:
{"hour": 6, "minute": 12}
